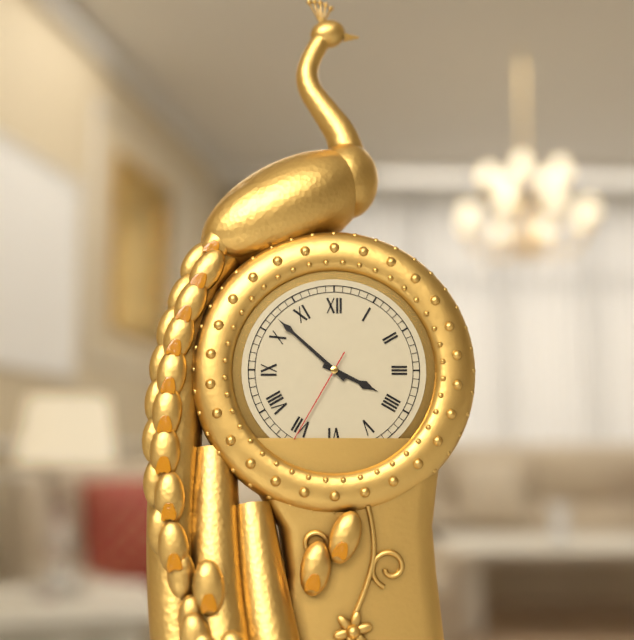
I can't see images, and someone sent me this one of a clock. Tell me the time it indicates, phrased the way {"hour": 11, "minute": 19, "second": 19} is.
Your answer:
{"hour": 3, "minute": 52, "second": 35}
